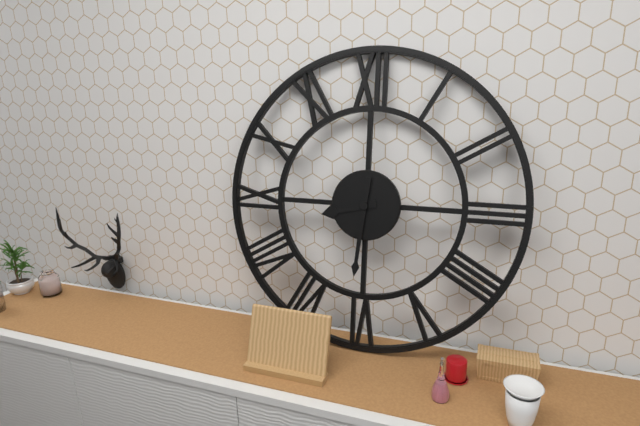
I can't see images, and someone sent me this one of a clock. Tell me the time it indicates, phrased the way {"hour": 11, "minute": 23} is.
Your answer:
{"hour": 8, "minute": 31}
